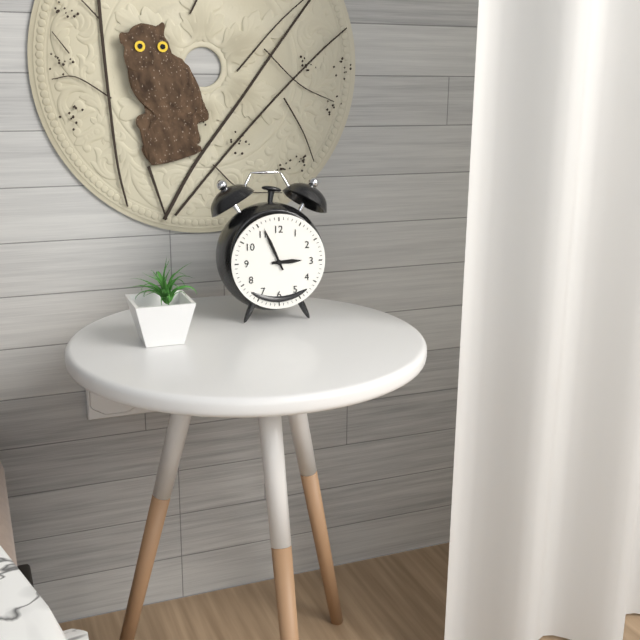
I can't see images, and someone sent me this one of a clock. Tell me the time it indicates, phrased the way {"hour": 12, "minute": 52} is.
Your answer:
{"hour": 2, "minute": 56}
